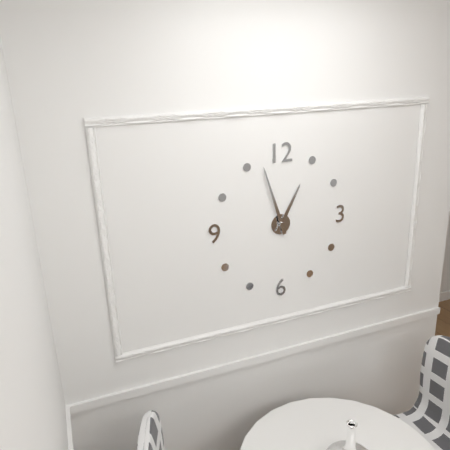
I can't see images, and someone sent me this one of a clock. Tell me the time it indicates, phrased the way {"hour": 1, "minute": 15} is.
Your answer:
{"hour": 12, "minute": 57}
